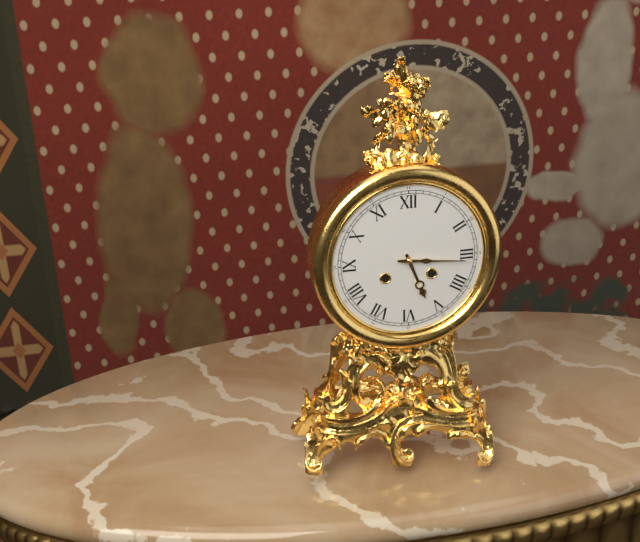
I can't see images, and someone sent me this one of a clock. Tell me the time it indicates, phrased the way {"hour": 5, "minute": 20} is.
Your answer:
{"hour": 5, "minute": 16}
